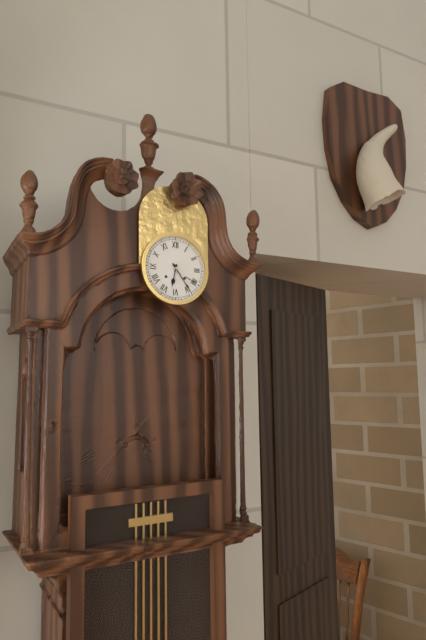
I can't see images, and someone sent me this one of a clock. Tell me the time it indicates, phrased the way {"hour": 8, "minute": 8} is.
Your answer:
{"hour": 6, "minute": 24}
